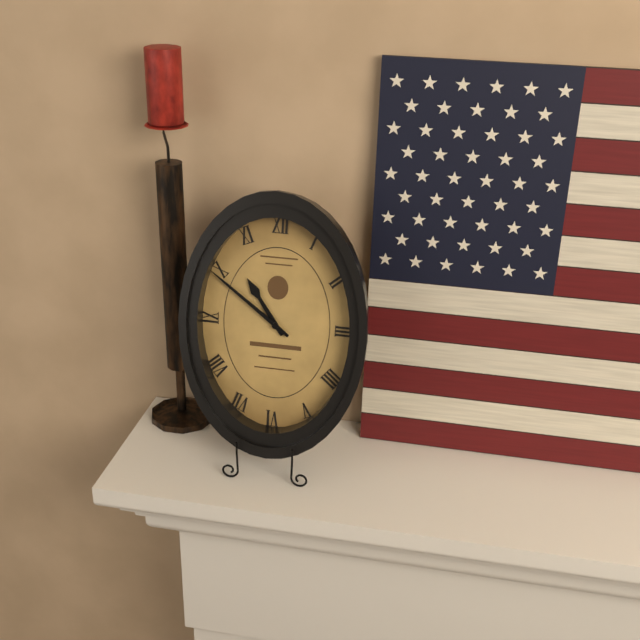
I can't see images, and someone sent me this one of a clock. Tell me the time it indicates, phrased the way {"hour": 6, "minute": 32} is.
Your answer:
{"hour": 10, "minute": 51}
